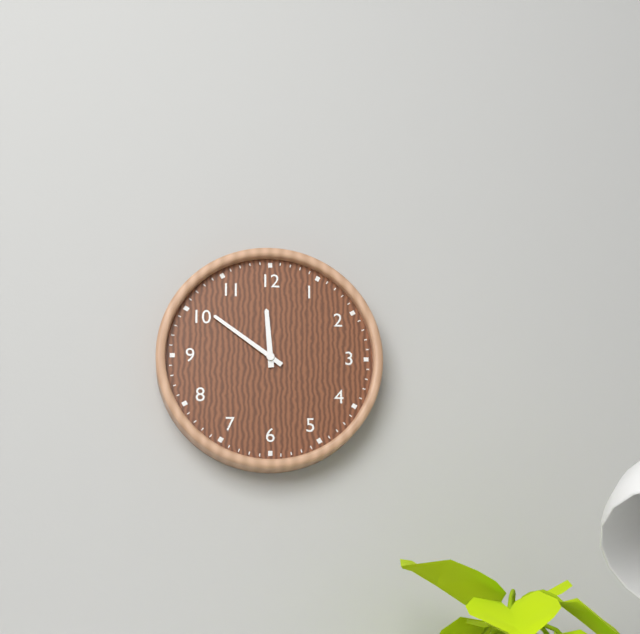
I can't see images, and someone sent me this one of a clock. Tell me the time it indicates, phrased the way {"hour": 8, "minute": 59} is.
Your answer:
{"hour": 11, "minute": 51}
